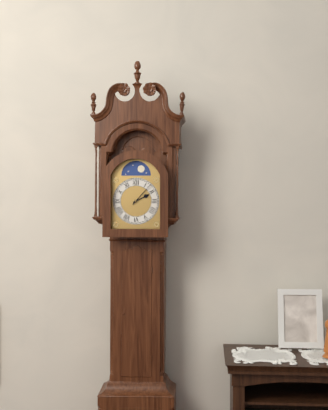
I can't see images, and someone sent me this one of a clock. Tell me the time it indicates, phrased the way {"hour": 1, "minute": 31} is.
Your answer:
{"hour": 2, "minute": 7}
